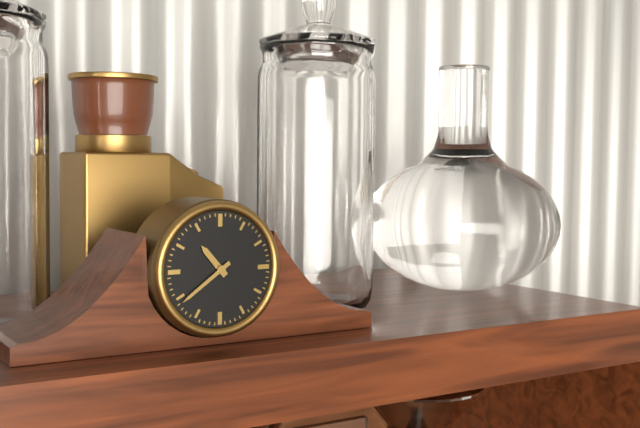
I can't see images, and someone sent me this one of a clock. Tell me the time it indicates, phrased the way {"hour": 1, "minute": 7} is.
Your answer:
{"hour": 10, "minute": 39}
